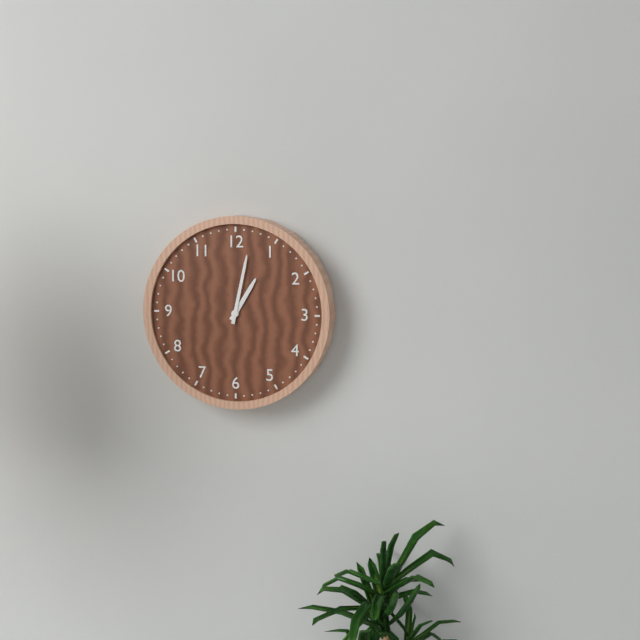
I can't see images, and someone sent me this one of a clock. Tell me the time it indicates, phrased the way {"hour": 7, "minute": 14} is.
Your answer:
{"hour": 1, "minute": 2}
